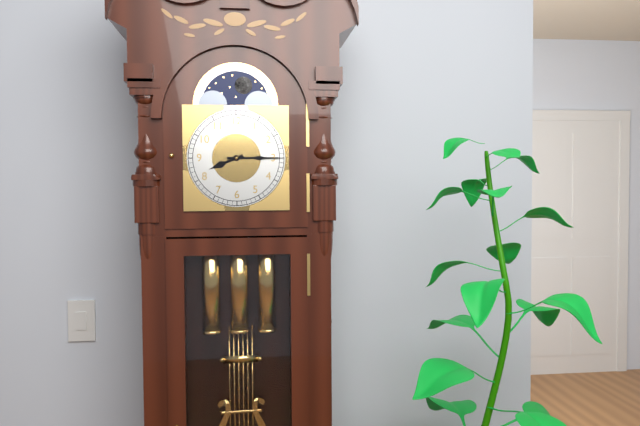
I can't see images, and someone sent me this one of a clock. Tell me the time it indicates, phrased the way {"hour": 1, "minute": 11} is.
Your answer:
{"hour": 8, "minute": 15}
